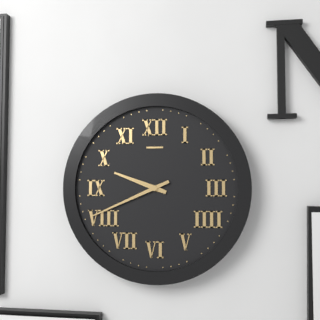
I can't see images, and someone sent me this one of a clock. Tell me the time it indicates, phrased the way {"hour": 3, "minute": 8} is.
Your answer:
{"hour": 9, "minute": 41}
